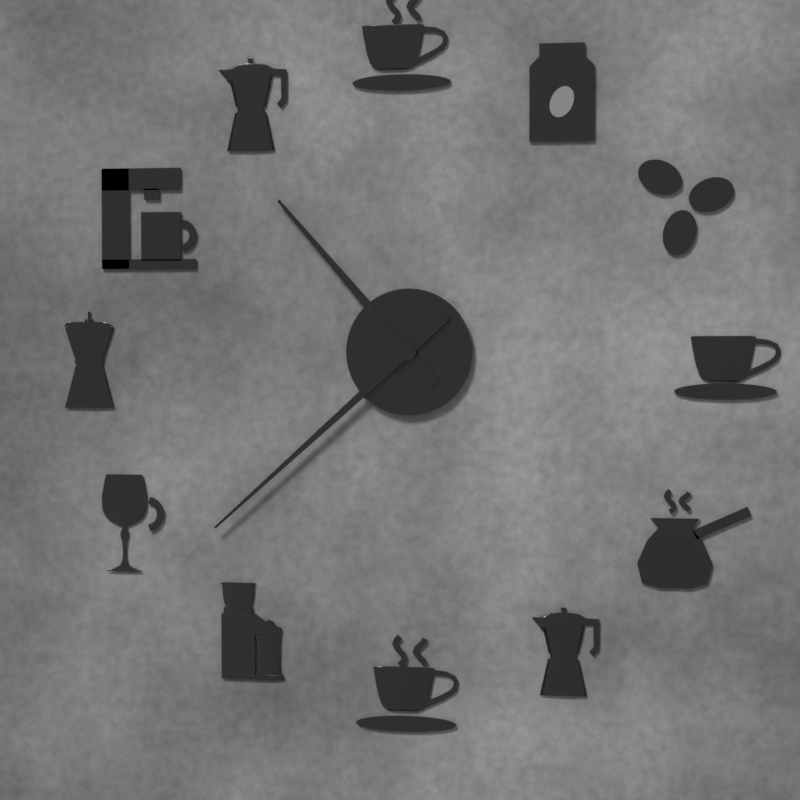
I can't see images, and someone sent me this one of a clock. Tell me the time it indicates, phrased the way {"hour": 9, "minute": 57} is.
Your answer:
{"hour": 10, "minute": 38}
